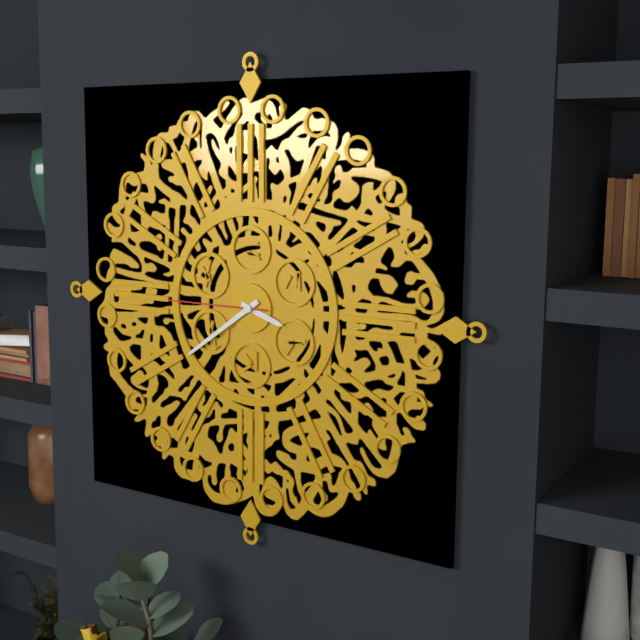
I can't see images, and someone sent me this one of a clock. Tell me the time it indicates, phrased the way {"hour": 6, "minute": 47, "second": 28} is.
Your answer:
{"hour": 3, "minute": 39, "second": 45}
